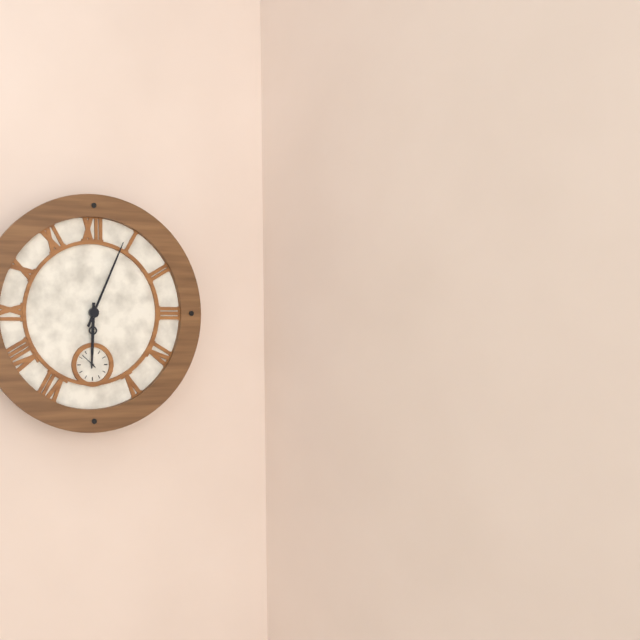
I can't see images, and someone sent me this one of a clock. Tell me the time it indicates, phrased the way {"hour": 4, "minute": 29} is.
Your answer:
{"hour": 6, "minute": 4}
